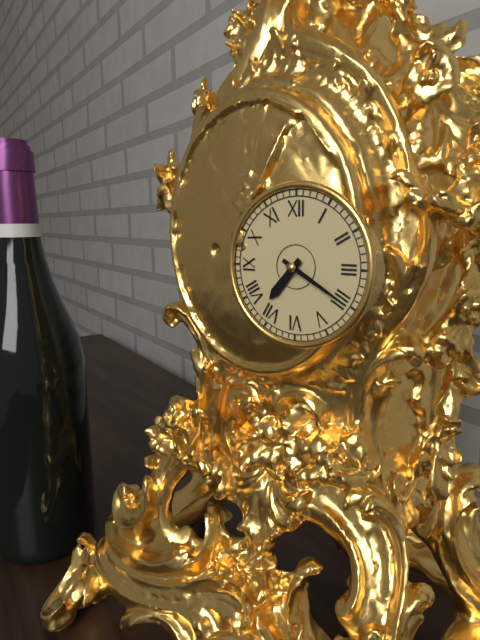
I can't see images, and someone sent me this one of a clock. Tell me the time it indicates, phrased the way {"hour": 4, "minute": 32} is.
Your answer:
{"hour": 7, "minute": 20}
